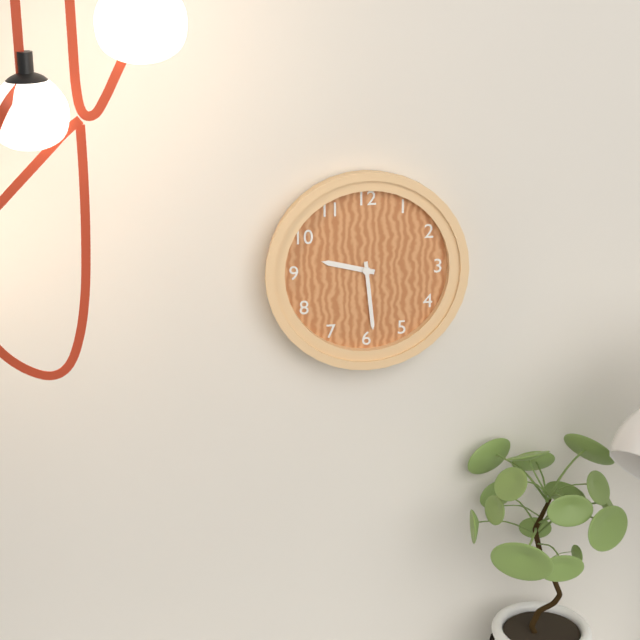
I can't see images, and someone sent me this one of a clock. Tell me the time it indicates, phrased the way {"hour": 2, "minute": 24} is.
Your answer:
{"hour": 9, "minute": 29}
